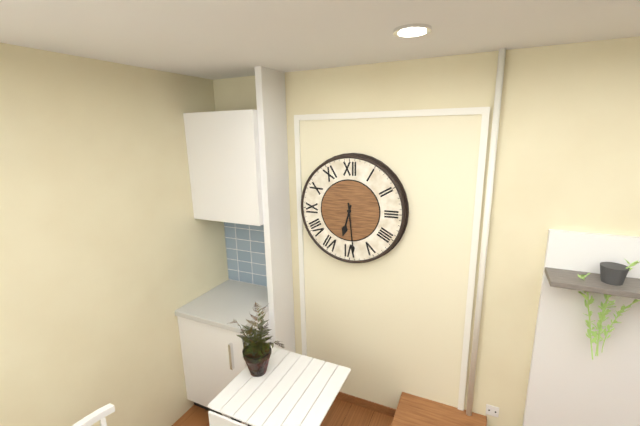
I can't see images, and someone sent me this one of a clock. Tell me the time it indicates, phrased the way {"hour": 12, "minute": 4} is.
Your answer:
{"hour": 6, "minute": 29}
